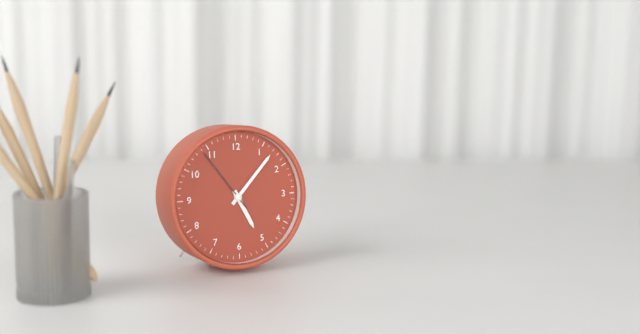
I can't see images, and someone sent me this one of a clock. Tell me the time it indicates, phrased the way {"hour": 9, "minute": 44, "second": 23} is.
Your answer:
{"hour": 5, "minute": 7, "second": 54}
